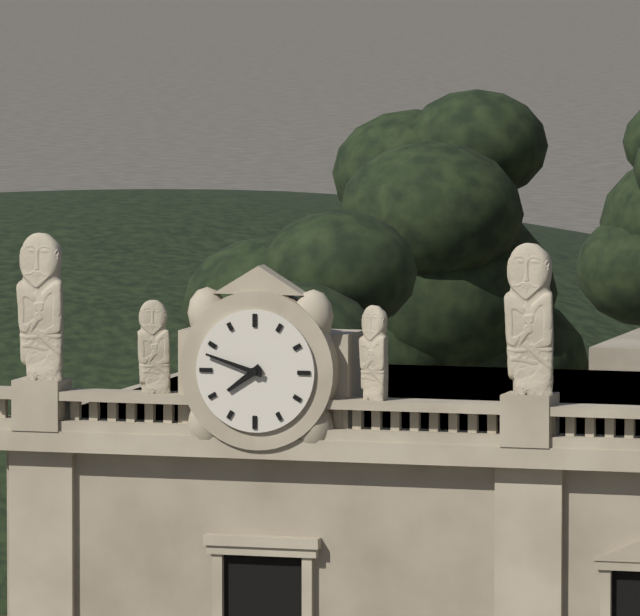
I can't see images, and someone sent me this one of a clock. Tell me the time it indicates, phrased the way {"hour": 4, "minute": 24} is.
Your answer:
{"hour": 7, "minute": 48}
